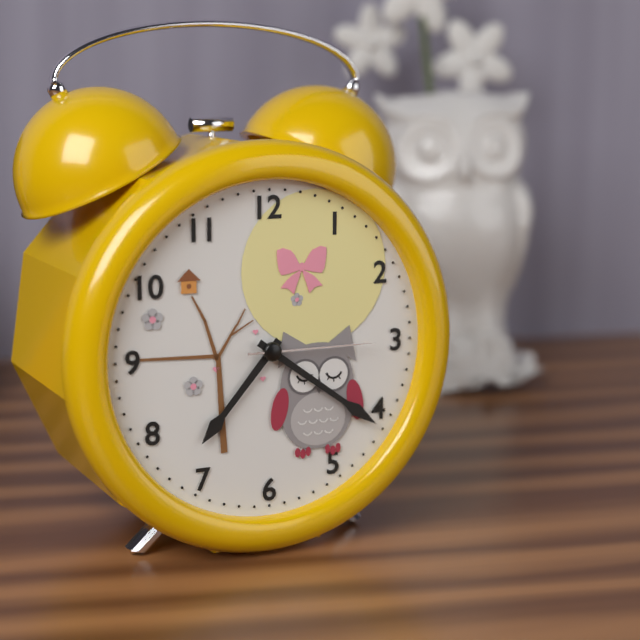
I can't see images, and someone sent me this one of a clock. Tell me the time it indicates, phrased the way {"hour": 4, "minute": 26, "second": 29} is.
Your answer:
{"hour": 7, "minute": 21, "second": 15}
